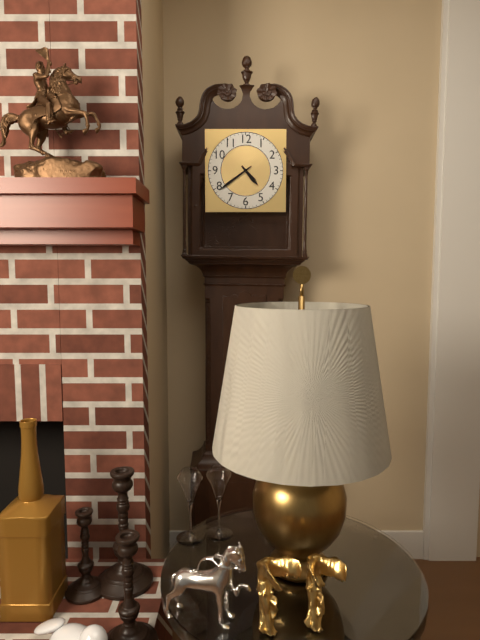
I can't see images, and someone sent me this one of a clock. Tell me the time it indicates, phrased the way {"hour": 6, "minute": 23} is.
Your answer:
{"hour": 4, "minute": 39}
